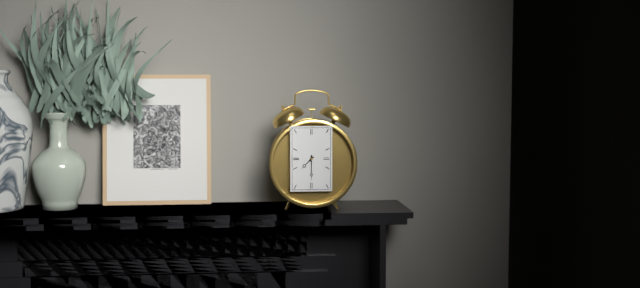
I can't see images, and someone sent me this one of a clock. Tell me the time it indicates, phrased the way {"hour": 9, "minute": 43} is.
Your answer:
{"hour": 7, "minute": 30}
